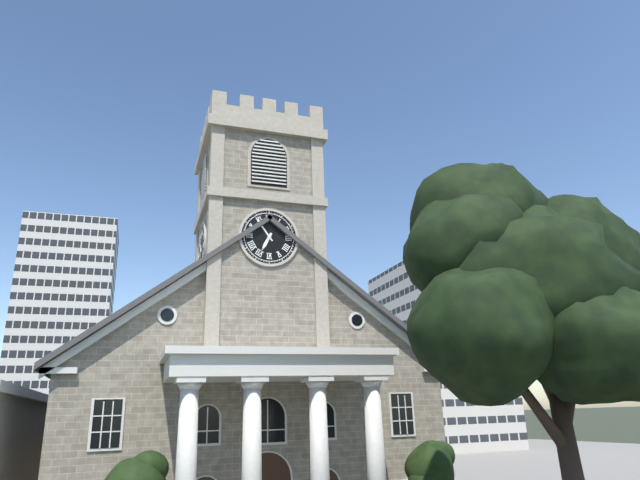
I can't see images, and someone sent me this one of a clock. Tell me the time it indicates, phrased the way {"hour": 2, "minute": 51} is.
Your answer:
{"hour": 6, "minute": 54}
